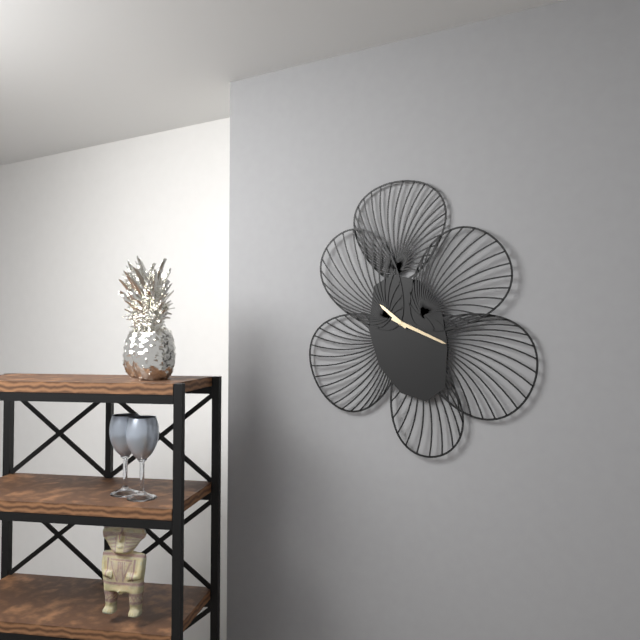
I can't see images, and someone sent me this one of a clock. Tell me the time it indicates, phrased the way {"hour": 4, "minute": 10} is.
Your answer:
{"hour": 10, "minute": 19}
